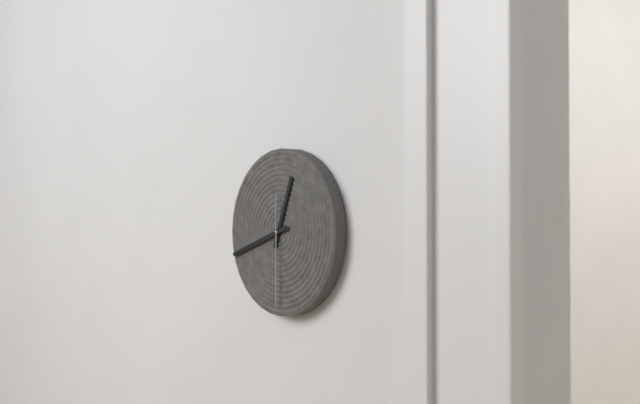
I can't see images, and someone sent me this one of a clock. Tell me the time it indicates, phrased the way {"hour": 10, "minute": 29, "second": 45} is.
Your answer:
{"hour": 12, "minute": 42, "second": 30}
